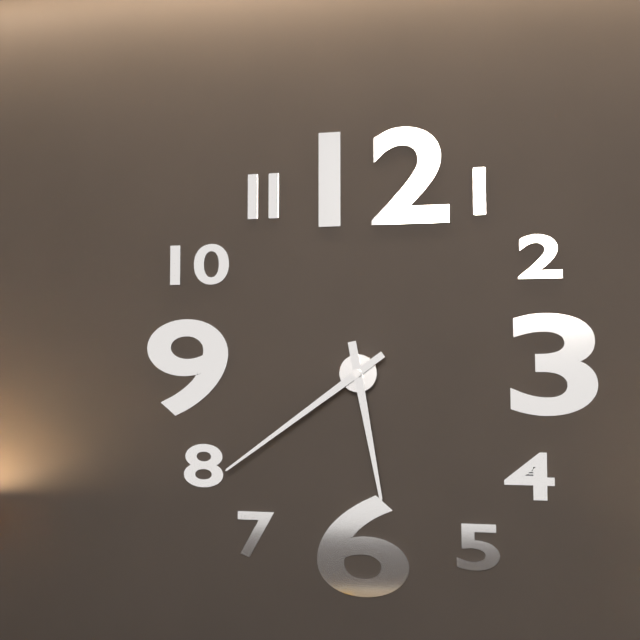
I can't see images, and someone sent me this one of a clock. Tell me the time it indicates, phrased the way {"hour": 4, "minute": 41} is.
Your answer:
{"hour": 5, "minute": 39}
